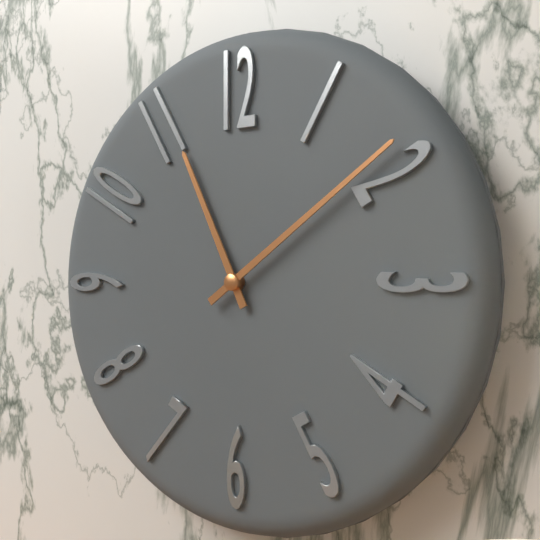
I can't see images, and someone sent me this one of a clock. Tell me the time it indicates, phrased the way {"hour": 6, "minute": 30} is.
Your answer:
{"hour": 11, "minute": 9}
